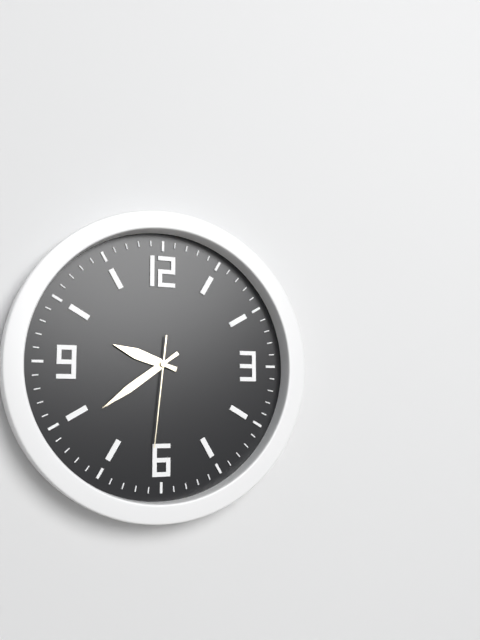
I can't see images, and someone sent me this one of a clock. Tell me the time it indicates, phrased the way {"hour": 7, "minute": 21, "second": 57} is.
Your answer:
{"hour": 9, "minute": 39, "second": 31}
